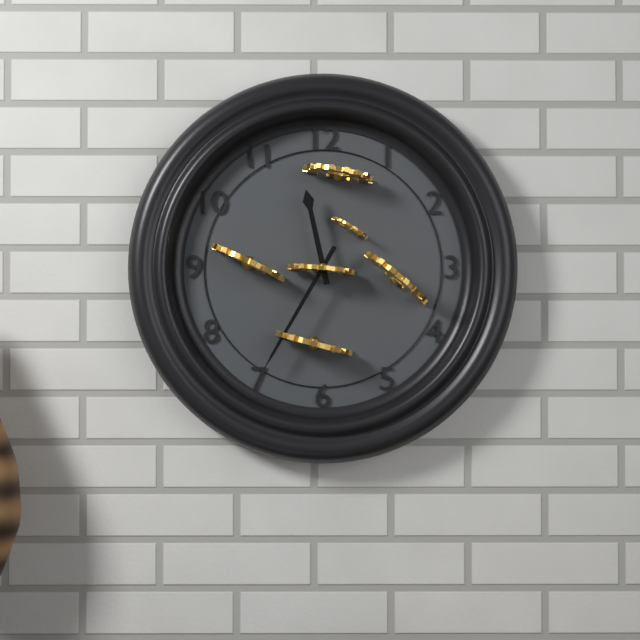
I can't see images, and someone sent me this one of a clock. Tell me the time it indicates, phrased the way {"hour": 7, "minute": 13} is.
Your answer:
{"hour": 11, "minute": 35}
